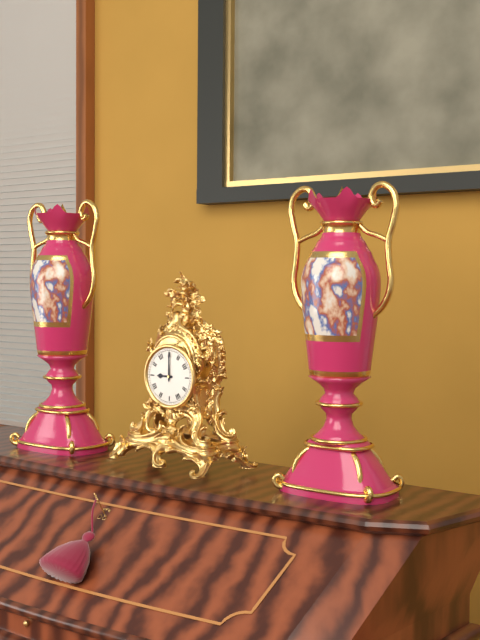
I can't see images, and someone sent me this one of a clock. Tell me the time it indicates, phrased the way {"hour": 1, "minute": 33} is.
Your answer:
{"hour": 9, "minute": 0}
